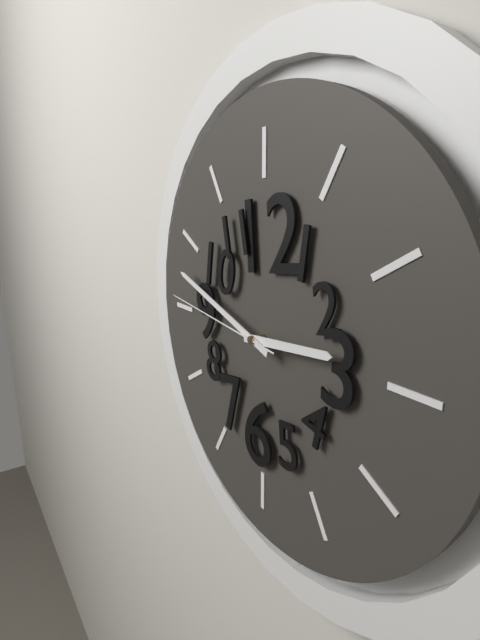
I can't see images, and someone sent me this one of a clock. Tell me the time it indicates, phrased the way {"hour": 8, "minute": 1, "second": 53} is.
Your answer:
{"hour": 2, "minute": 48, "second": 46}
